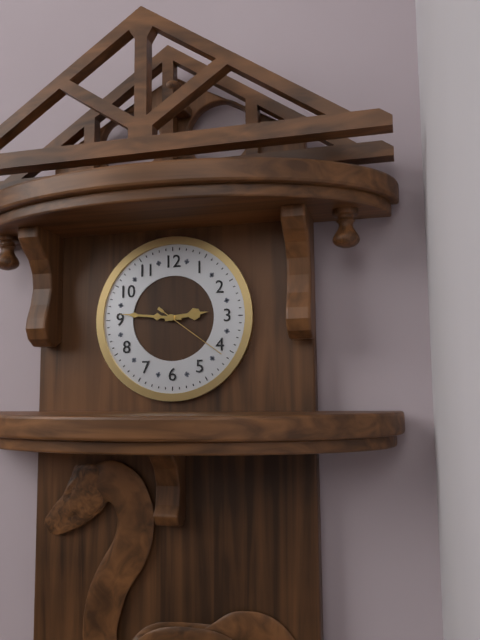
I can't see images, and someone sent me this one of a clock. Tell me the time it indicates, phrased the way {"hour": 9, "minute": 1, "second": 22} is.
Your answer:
{"hour": 2, "minute": 46, "second": 21}
